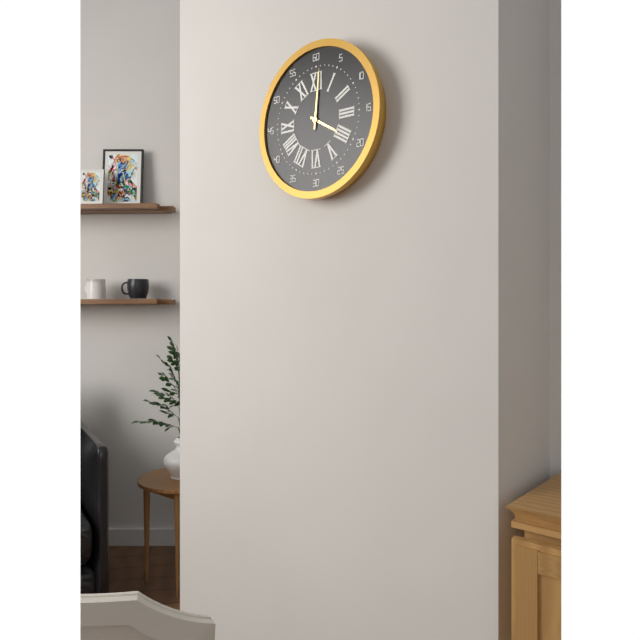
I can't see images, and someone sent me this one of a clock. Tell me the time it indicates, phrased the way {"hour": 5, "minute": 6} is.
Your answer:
{"hour": 4, "minute": 1}
